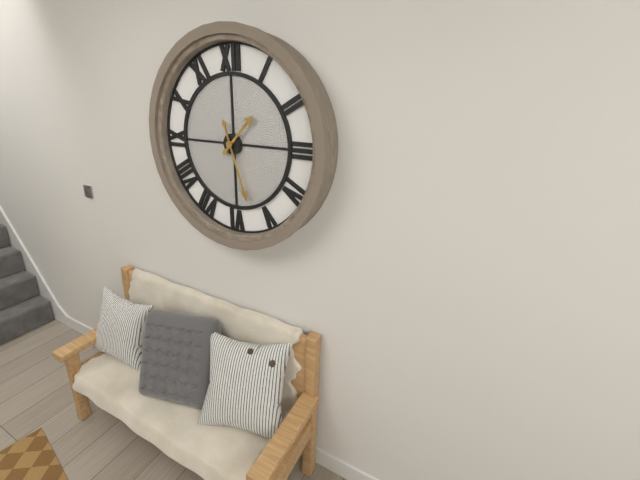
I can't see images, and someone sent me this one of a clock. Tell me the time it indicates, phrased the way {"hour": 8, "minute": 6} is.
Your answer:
{"hour": 1, "minute": 27}
